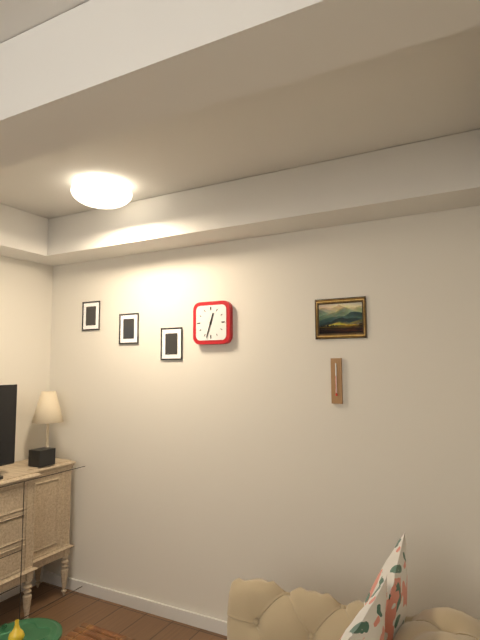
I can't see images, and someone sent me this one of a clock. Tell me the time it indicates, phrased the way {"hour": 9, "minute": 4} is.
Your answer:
{"hour": 12, "minute": 33}
